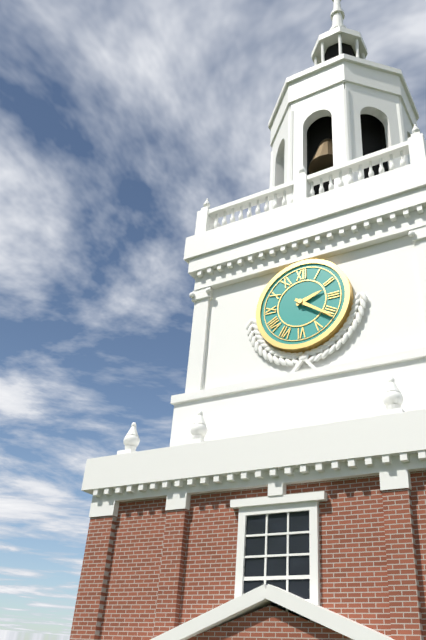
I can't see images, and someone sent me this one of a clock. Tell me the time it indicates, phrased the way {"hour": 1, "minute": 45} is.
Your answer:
{"hour": 2, "minute": 21}
